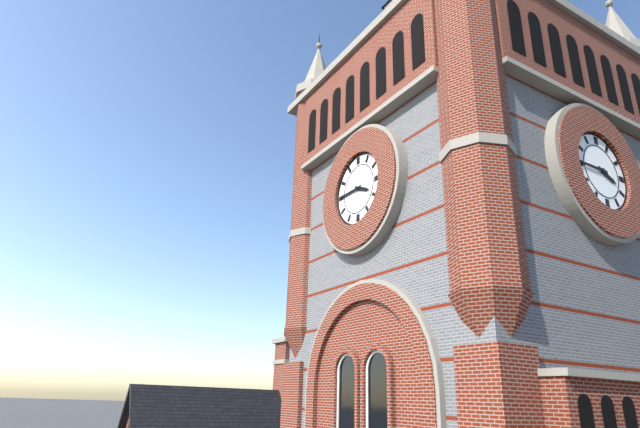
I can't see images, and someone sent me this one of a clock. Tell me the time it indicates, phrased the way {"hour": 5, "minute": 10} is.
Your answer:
{"hour": 3, "minute": 45}
